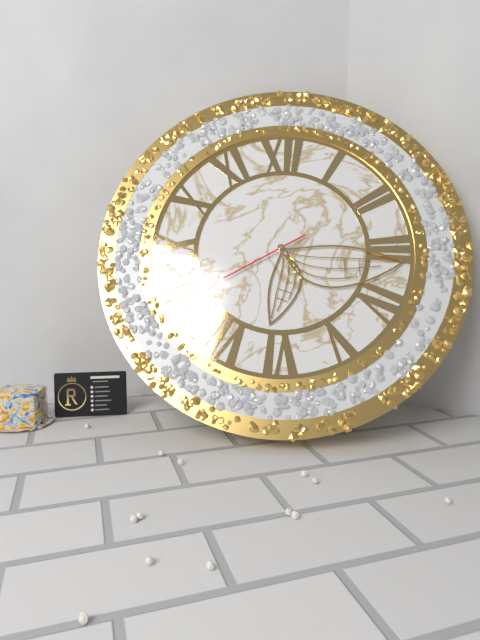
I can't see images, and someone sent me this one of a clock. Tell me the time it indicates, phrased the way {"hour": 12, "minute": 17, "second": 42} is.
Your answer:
{"hour": 6, "minute": 16, "second": 40}
